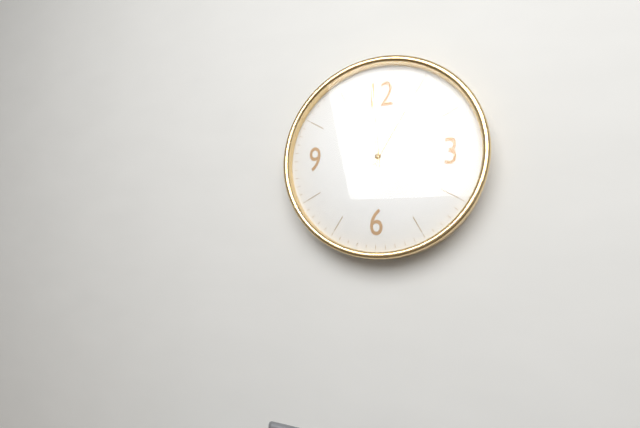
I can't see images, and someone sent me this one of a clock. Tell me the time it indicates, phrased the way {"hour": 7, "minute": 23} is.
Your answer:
{"hour": 12, "minute": 59}
